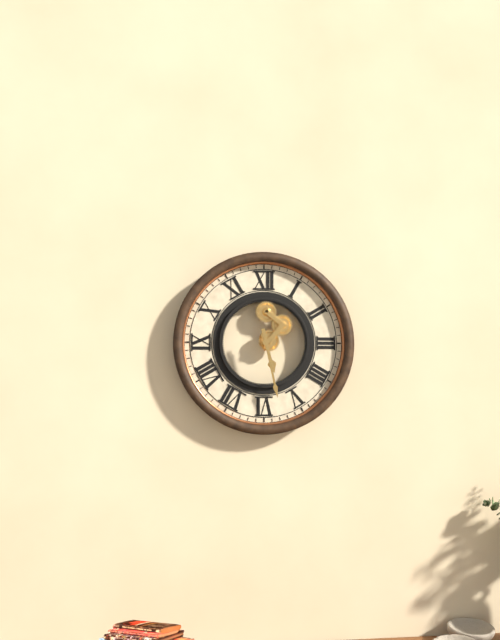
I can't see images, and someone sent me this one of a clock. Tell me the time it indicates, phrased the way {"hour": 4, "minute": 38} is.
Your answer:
{"hour": 5, "minute": 28}
